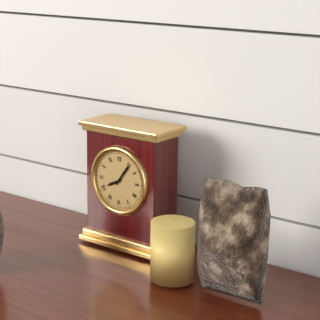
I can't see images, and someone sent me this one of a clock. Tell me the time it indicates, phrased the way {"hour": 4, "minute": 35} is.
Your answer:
{"hour": 8, "minute": 6}
